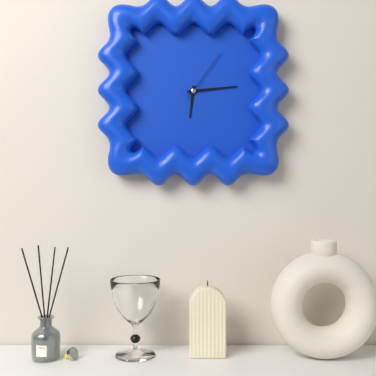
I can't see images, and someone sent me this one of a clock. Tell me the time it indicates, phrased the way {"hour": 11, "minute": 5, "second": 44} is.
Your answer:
{"hour": 6, "minute": 14, "second": 6}
